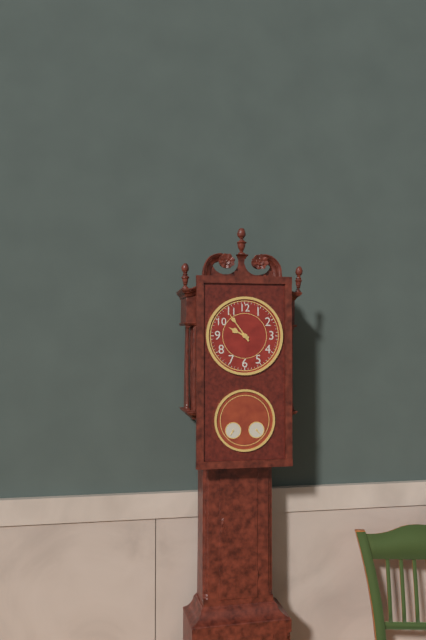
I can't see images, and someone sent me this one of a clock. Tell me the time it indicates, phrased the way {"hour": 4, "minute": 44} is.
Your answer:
{"hour": 9, "minute": 54}
